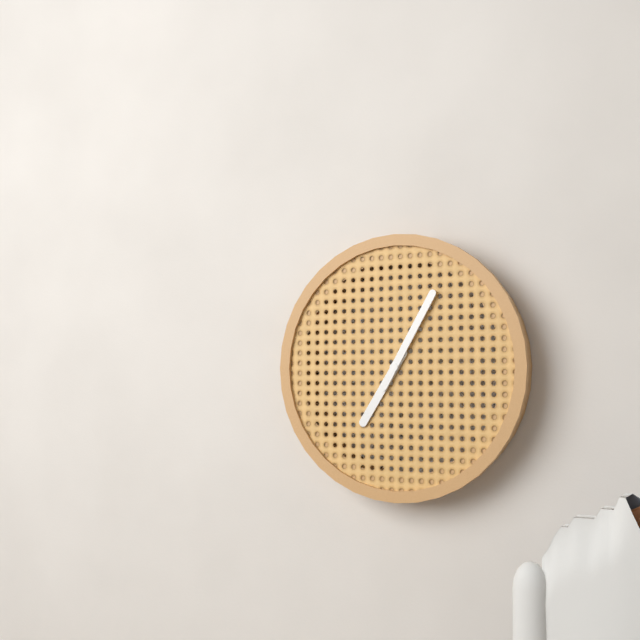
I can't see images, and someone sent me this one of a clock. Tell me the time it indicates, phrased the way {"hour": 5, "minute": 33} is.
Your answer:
{"hour": 7, "minute": 5}
